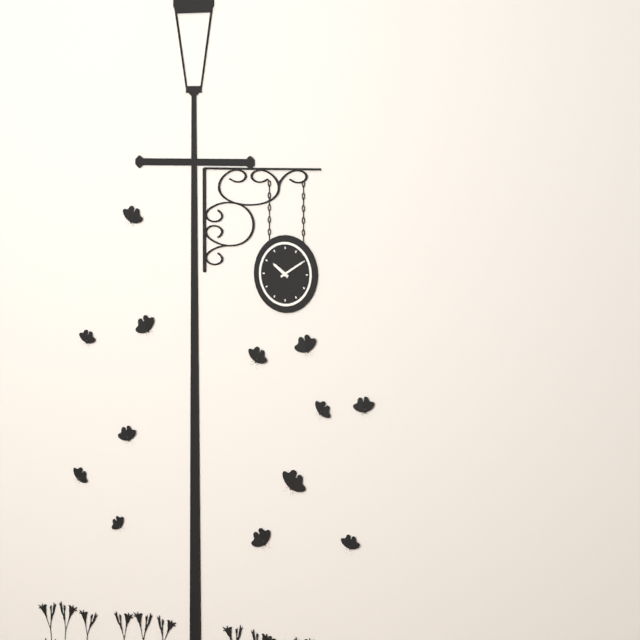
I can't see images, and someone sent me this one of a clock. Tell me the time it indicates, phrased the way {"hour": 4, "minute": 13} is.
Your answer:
{"hour": 10, "minute": 10}
